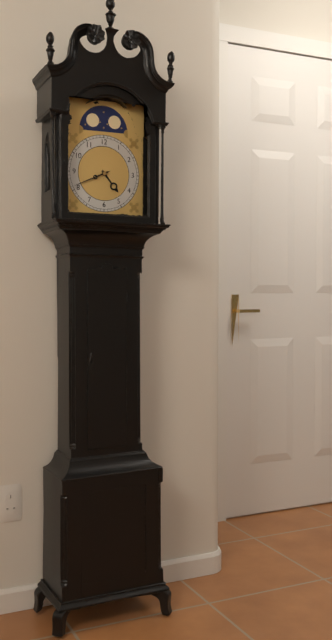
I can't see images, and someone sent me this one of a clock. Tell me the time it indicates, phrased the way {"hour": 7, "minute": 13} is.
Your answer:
{"hour": 4, "minute": 41}
